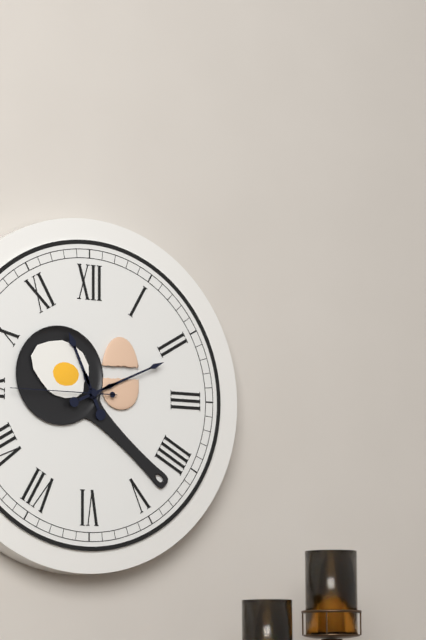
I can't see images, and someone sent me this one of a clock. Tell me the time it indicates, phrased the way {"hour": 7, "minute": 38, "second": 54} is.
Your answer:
{"hour": 11, "minute": 11, "second": 45}
